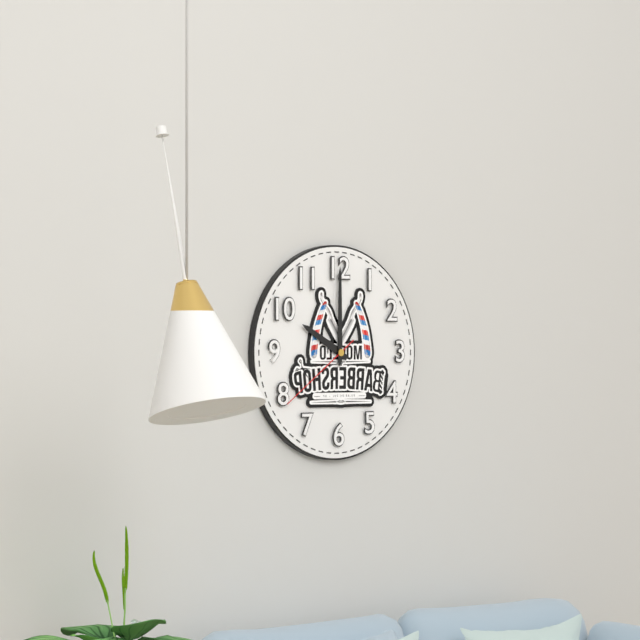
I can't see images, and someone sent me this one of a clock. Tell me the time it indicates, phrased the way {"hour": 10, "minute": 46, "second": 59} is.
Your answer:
{"hour": 10, "minute": 0, "second": 39}
